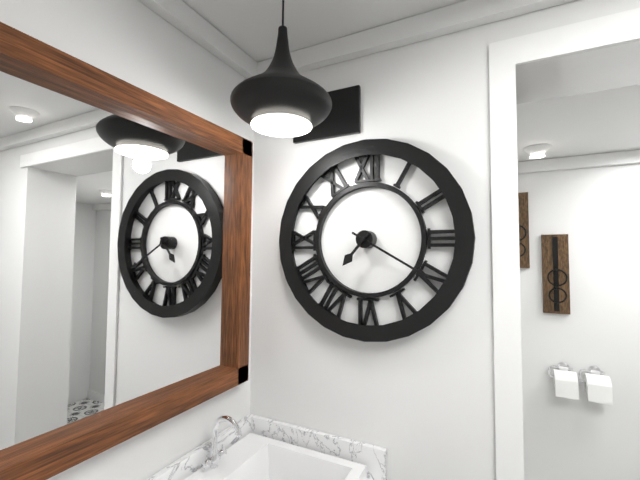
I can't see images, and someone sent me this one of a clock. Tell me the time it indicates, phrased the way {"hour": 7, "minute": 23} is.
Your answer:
{"hour": 7, "minute": 20}
